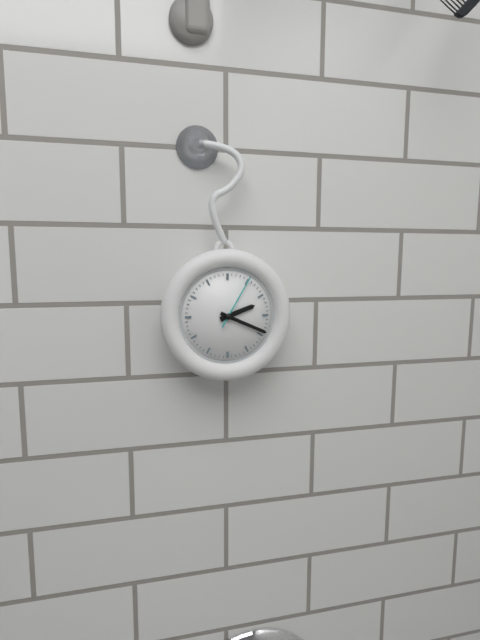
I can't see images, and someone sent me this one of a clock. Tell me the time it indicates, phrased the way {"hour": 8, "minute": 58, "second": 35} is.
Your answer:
{"hour": 2, "minute": 19, "second": 5}
